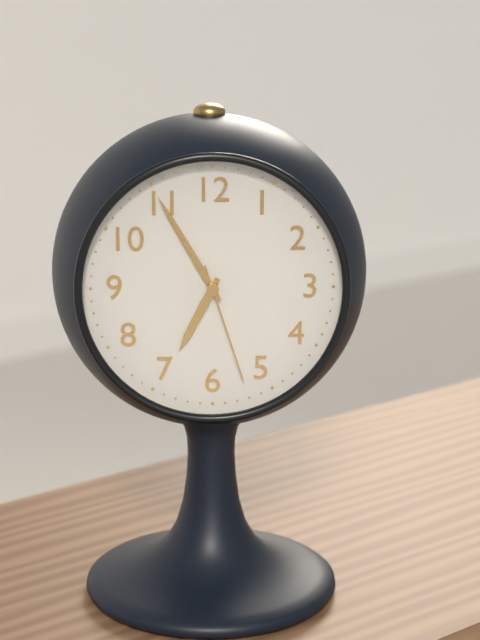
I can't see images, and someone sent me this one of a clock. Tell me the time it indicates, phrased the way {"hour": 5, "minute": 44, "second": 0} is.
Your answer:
{"hour": 6, "minute": 55, "second": 27}
